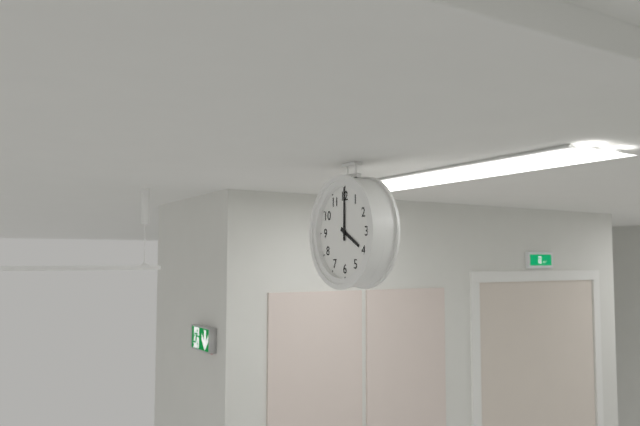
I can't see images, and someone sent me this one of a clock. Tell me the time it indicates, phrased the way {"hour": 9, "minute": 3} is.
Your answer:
{"hour": 4, "minute": 0}
